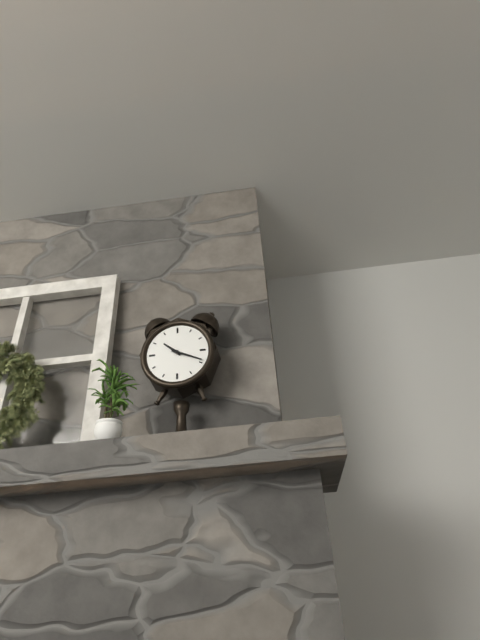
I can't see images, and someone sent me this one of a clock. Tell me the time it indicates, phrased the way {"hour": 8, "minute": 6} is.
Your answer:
{"hour": 10, "minute": 19}
